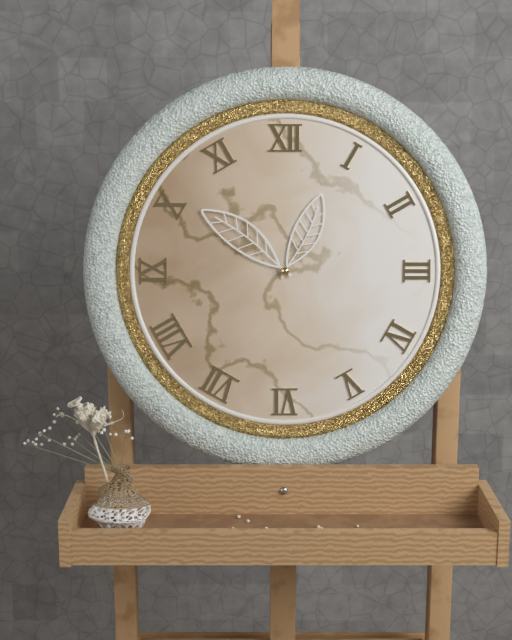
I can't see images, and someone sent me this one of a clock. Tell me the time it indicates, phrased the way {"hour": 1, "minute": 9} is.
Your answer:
{"hour": 12, "minute": 51}
